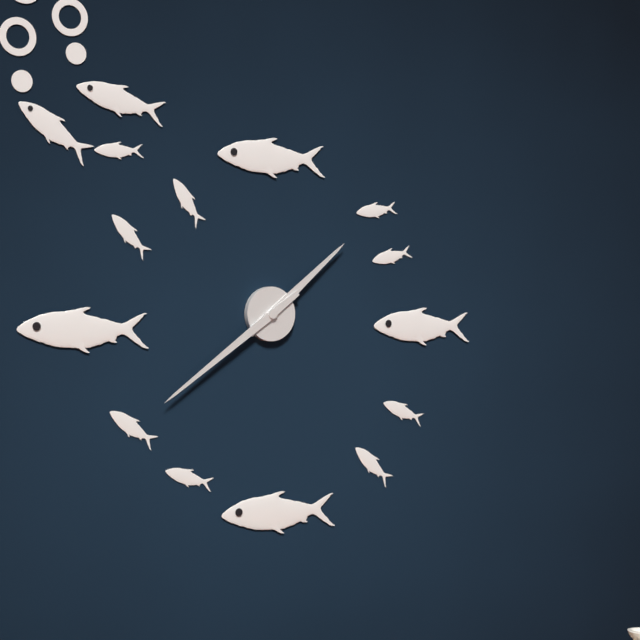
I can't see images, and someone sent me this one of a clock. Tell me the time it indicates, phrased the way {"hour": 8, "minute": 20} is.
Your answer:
{"hour": 1, "minute": 39}
